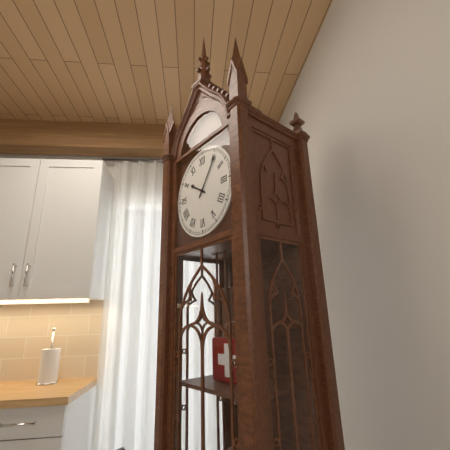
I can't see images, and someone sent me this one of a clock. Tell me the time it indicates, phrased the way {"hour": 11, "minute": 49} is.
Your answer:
{"hour": 10, "minute": 6}
